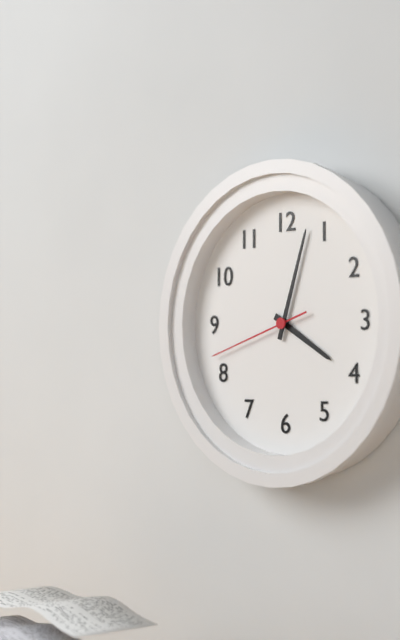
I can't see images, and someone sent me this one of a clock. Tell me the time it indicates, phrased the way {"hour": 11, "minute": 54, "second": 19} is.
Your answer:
{"hour": 4, "minute": 3, "second": 42}
